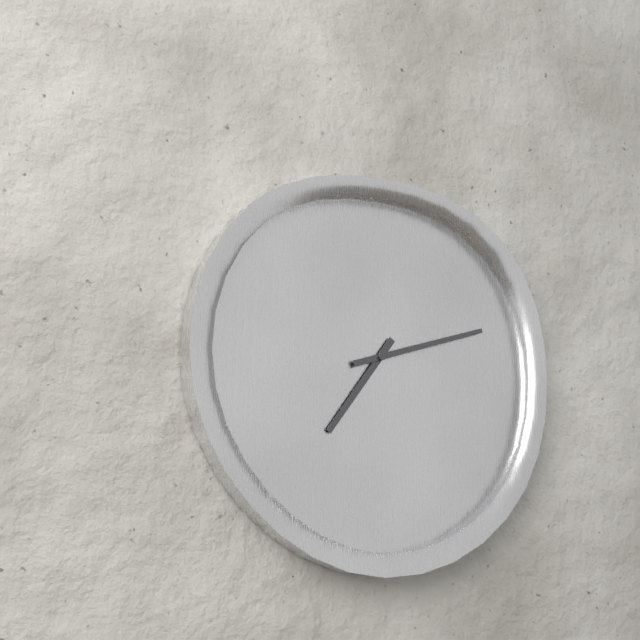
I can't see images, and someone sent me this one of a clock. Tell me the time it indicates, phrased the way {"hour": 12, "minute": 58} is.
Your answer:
{"hour": 7, "minute": 12}
